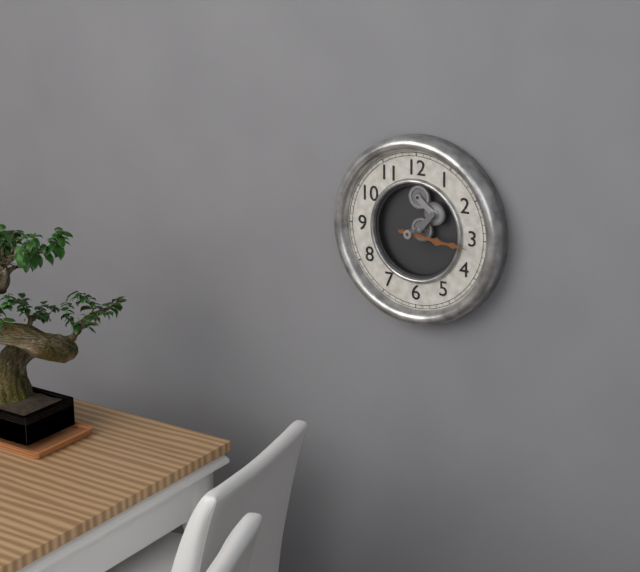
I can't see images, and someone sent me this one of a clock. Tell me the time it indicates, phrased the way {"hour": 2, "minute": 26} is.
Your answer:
{"hour": 3, "minute": 16}
